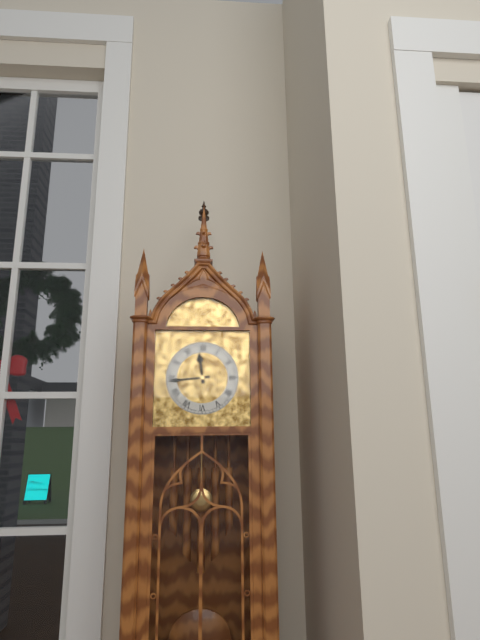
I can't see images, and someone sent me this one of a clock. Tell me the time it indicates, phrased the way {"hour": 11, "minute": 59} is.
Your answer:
{"hour": 11, "minute": 44}
